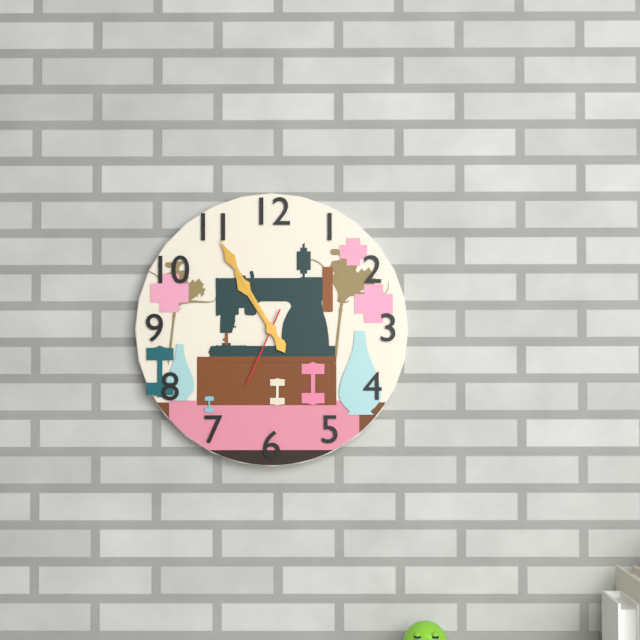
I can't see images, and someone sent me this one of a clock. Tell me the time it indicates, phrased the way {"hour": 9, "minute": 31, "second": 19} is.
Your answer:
{"hour": 10, "minute": 55, "second": 34}
